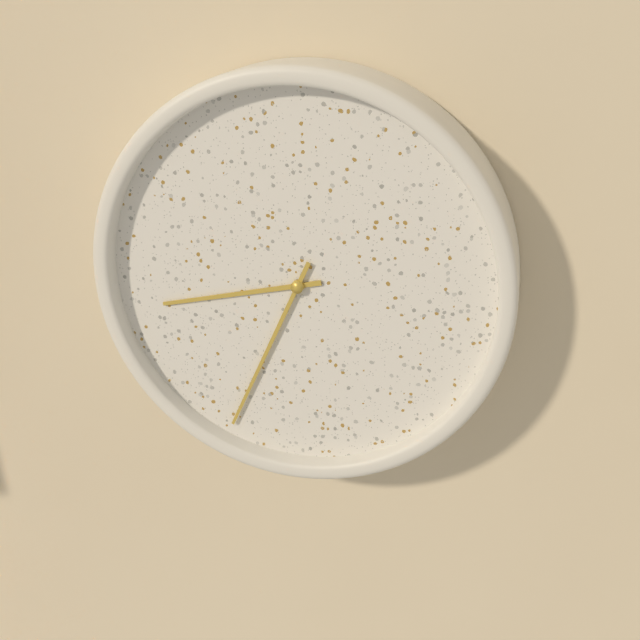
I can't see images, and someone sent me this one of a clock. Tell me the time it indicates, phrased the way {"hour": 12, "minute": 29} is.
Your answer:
{"hour": 8, "minute": 34}
